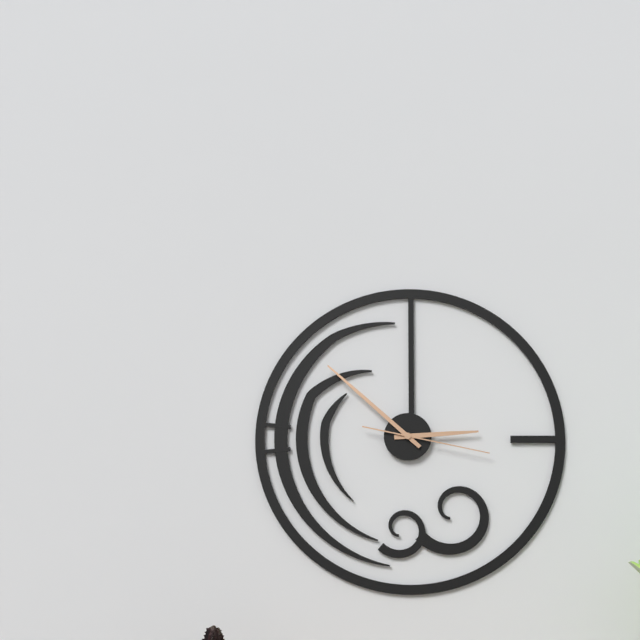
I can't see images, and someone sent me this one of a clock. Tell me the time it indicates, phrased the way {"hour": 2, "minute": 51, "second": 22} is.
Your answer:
{"hour": 2, "minute": 52, "second": 17}
